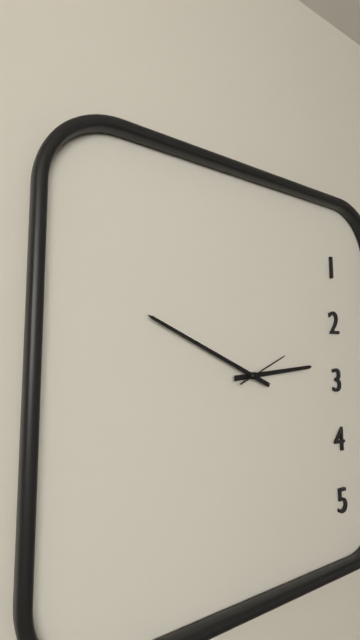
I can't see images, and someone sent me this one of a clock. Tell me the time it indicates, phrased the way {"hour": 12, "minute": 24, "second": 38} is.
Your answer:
{"hour": 2, "minute": 49, "second": 11}
